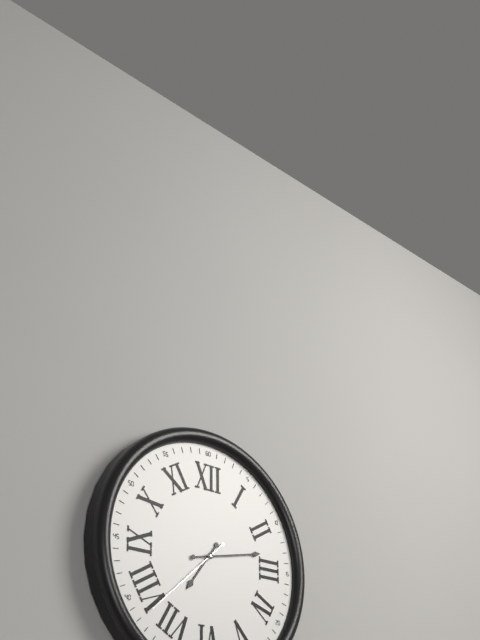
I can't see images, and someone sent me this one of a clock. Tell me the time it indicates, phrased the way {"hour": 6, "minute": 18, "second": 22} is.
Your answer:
{"hour": 7, "minute": 13, "second": 38}
